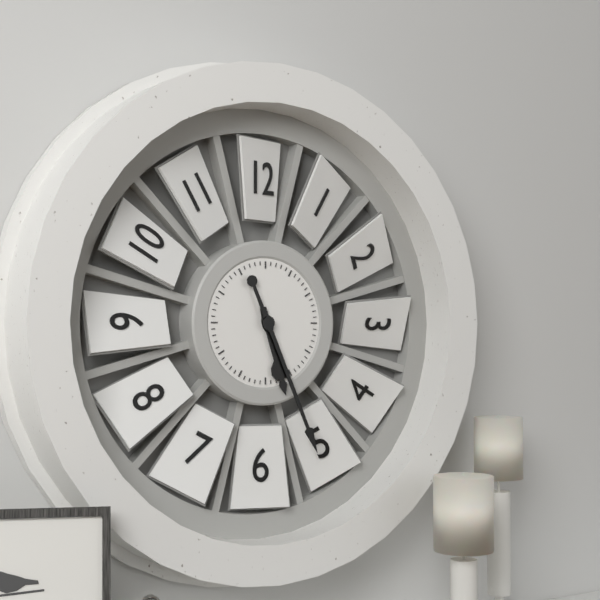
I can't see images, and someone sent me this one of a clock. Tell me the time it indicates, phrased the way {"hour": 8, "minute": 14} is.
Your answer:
{"hour": 5, "minute": 26}
